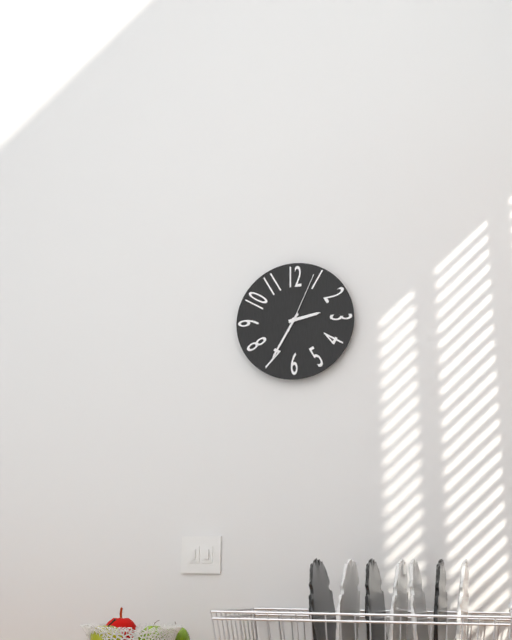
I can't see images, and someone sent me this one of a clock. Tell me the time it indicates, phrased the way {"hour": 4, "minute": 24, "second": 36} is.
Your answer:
{"hour": 2, "minute": 35, "second": 4}
